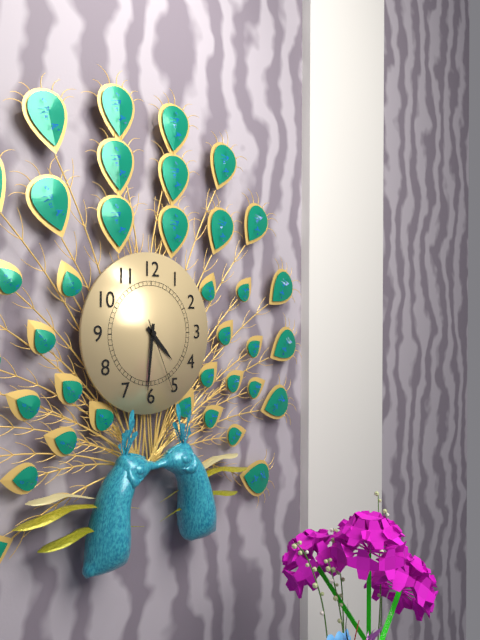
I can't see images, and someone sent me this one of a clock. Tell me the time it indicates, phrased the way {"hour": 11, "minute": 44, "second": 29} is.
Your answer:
{"hour": 4, "minute": 31, "second": 26}
